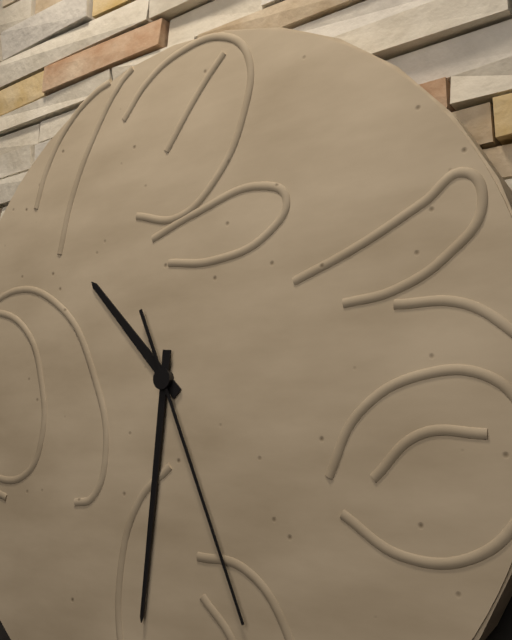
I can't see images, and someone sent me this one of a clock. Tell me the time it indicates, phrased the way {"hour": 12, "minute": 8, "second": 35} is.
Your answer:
{"hour": 10, "minute": 31, "second": 26}
